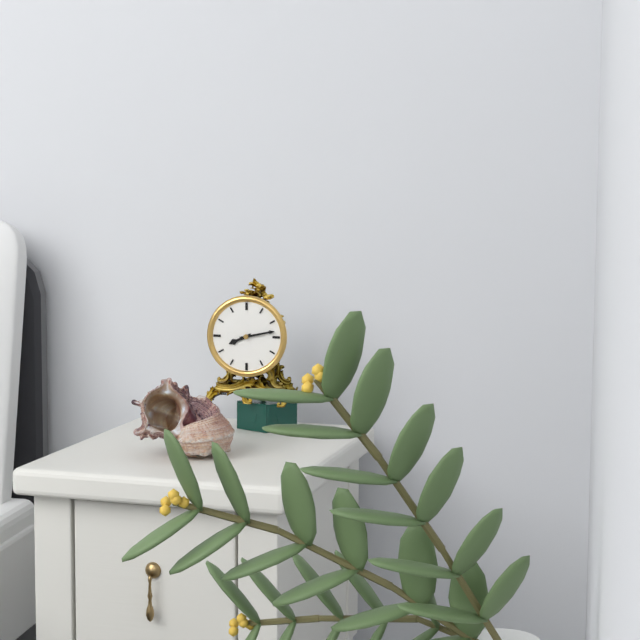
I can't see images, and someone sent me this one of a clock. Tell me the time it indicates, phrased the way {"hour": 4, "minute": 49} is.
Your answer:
{"hour": 8, "minute": 13}
